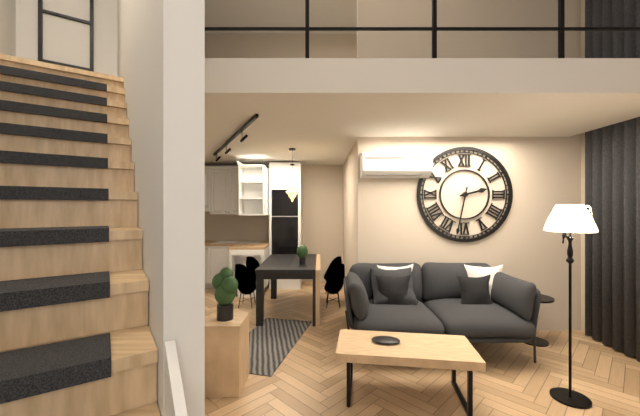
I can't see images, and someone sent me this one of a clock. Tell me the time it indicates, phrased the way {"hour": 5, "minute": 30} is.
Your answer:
{"hour": 2, "minute": 32}
